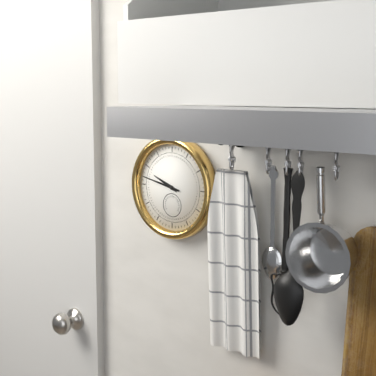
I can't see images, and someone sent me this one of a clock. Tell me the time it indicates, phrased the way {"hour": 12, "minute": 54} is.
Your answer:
{"hour": 9, "minute": 47}
